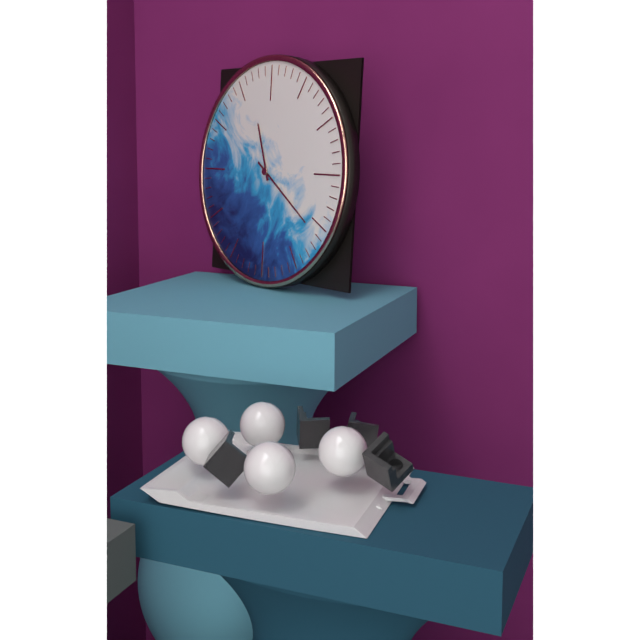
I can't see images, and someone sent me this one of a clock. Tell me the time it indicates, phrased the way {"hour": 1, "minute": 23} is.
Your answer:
{"hour": 11, "minute": 21}
